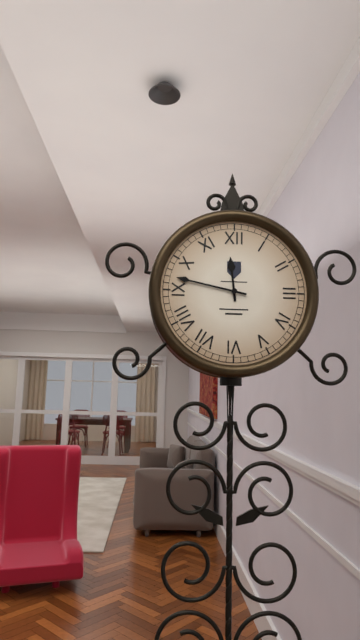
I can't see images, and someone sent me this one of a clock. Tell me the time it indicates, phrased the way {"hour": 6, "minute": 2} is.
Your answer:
{"hour": 11, "minute": 47}
